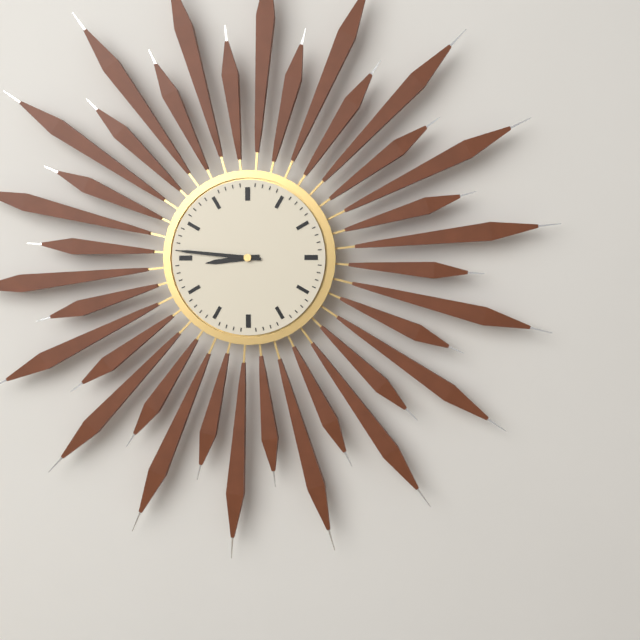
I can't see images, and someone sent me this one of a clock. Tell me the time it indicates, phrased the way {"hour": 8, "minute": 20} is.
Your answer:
{"hour": 8, "minute": 46}
